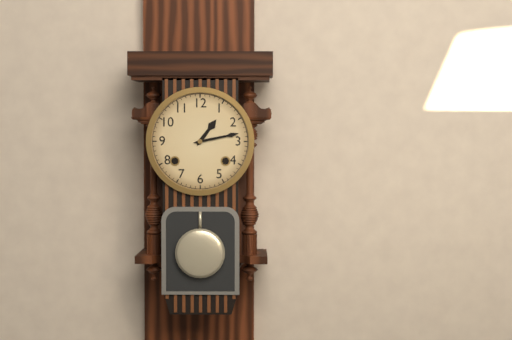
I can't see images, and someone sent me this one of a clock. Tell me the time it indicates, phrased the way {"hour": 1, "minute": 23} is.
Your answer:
{"hour": 1, "minute": 13}
